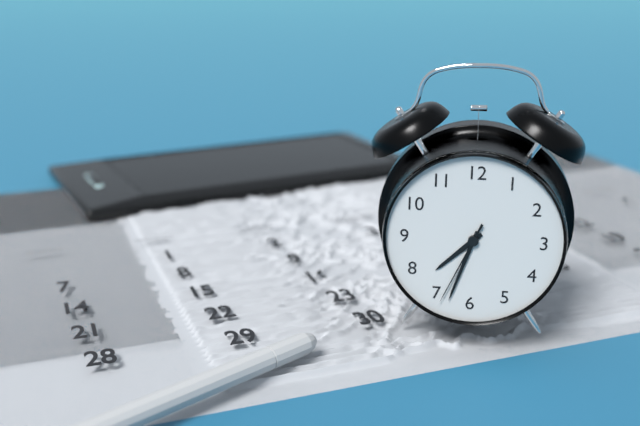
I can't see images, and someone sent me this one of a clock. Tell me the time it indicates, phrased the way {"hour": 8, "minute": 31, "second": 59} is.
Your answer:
{"hour": 7, "minute": 33, "second": 34}
